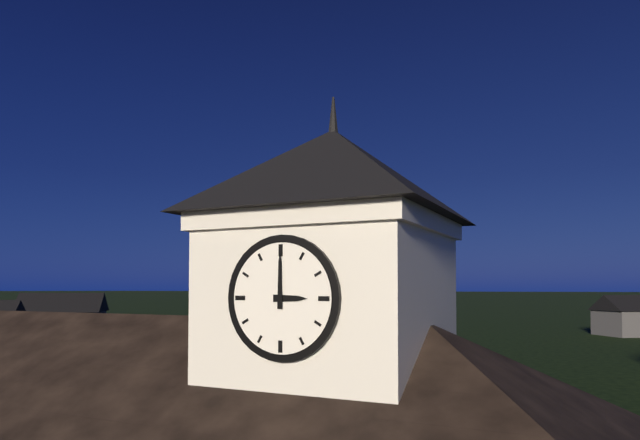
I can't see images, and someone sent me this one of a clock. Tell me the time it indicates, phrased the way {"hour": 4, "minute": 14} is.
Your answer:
{"hour": 3, "minute": 0}
